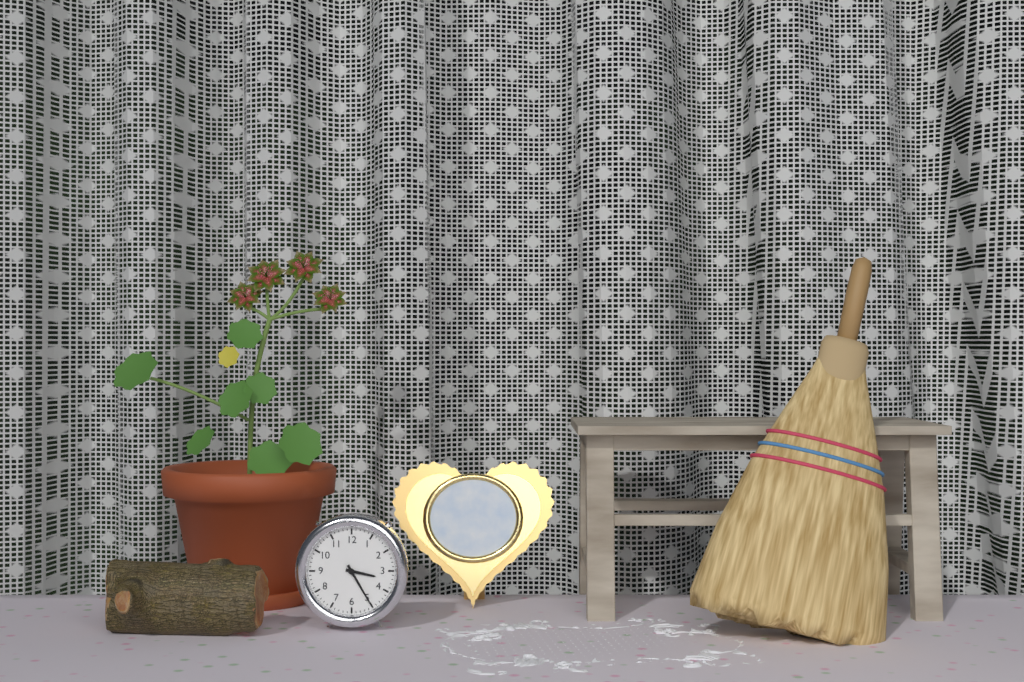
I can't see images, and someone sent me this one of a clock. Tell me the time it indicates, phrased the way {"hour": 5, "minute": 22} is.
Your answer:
{"hour": 3, "minute": 25}
